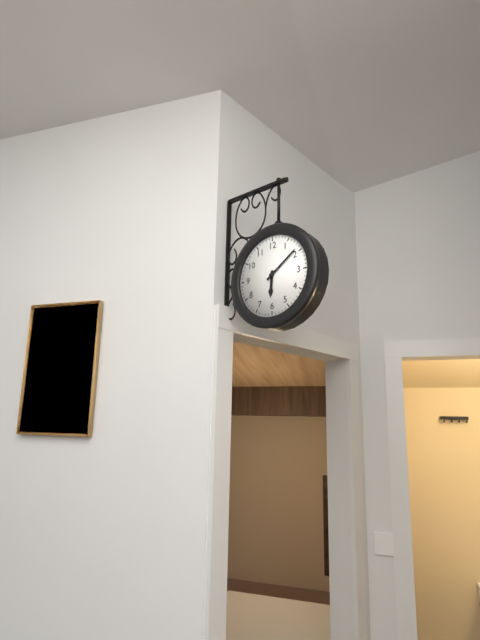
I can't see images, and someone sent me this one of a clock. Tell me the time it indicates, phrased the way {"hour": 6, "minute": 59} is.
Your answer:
{"hour": 6, "minute": 9}
